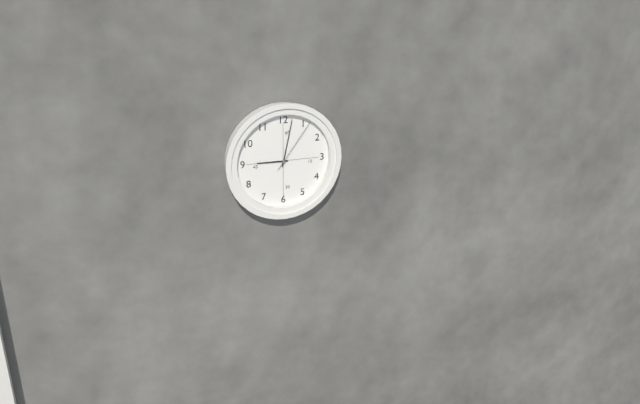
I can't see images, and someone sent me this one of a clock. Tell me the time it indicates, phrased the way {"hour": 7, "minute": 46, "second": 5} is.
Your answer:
{"hour": 9, "minute": 2, "second": 6}
